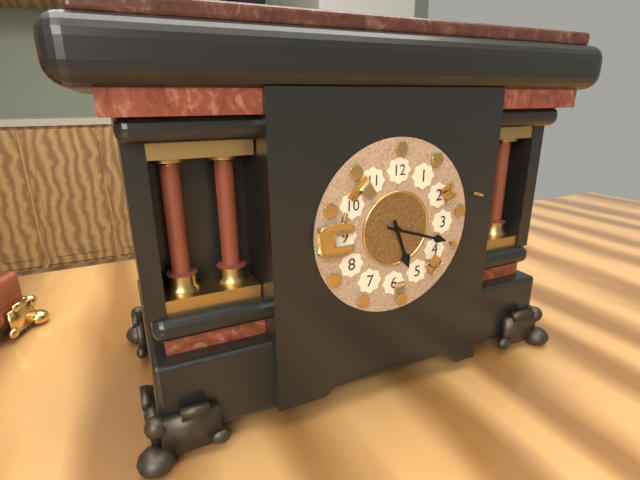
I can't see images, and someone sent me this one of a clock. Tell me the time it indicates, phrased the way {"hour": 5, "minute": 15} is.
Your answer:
{"hour": 5, "minute": 18}
